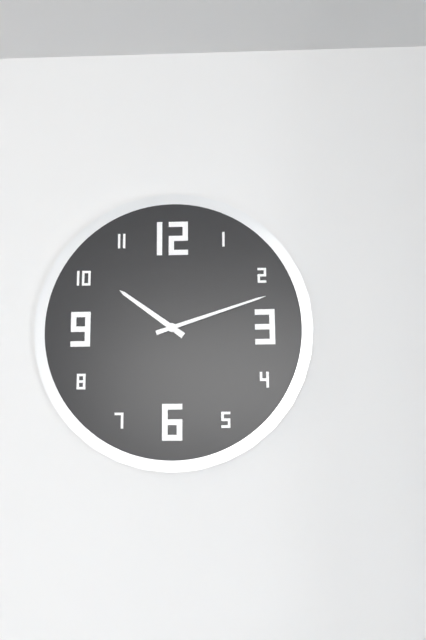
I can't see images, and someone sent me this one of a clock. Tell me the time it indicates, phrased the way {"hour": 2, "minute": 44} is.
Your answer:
{"hour": 10, "minute": 12}
